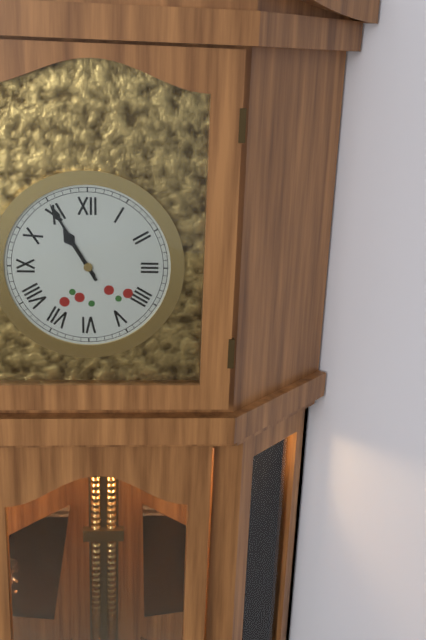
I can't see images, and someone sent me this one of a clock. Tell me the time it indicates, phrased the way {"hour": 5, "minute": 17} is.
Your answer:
{"hour": 10, "minute": 55}
